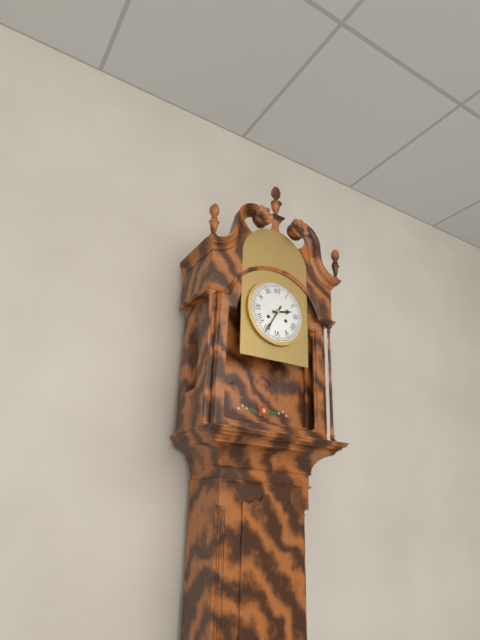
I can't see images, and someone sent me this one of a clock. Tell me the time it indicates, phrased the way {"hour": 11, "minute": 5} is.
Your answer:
{"hour": 2, "minute": 35}
